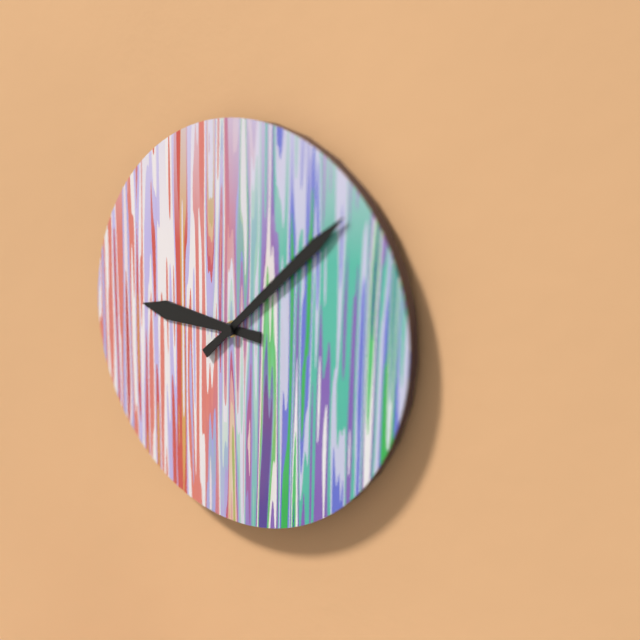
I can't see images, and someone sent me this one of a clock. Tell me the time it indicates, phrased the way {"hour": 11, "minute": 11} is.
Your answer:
{"hour": 9, "minute": 8}
